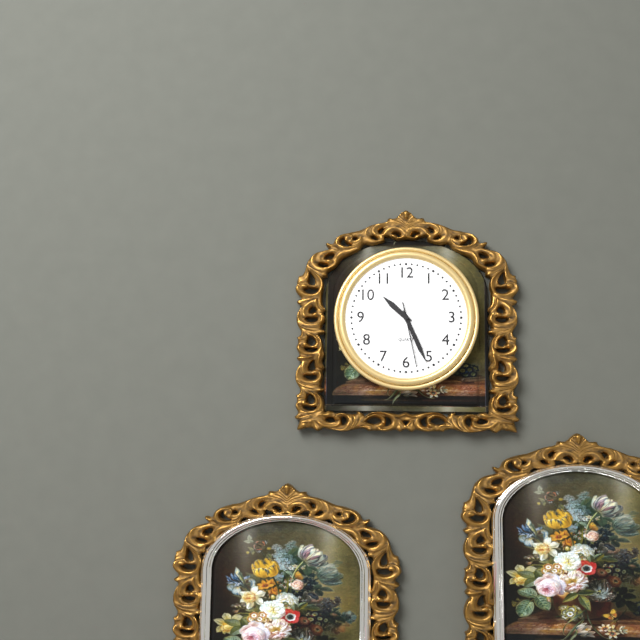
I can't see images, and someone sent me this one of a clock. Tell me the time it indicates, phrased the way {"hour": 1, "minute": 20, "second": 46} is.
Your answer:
{"hour": 10, "minute": 26, "second": 28}
